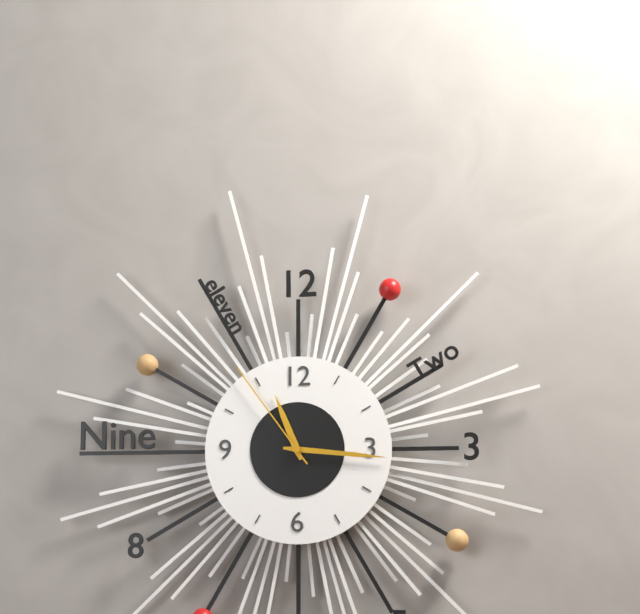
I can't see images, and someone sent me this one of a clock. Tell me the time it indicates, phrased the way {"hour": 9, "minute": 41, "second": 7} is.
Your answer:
{"hour": 11, "minute": 16, "second": 54}
